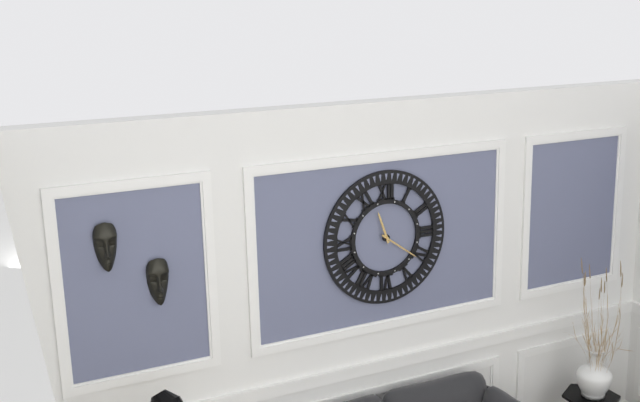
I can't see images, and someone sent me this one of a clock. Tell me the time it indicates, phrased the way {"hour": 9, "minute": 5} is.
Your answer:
{"hour": 11, "minute": 21}
